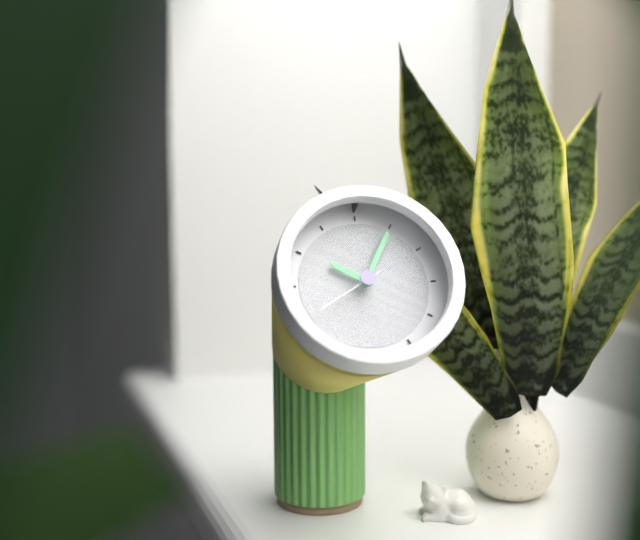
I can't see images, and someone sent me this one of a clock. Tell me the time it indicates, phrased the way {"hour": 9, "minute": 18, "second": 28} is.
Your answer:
{"hour": 10, "minute": 5, "second": 40}
